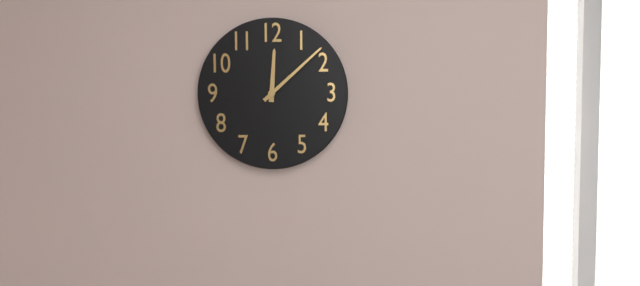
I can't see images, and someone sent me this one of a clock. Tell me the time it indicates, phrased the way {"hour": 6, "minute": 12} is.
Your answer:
{"hour": 12, "minute": 8}
